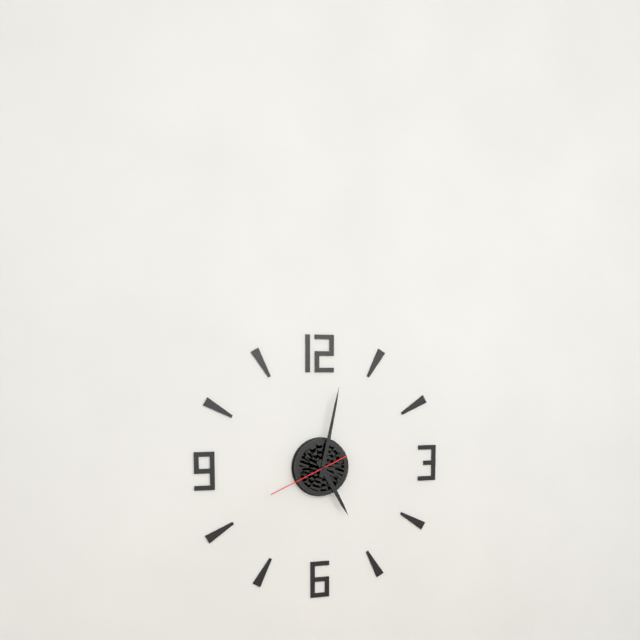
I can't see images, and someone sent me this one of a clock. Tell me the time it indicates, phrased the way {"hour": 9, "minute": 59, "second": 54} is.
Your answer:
{"hour": 5, "minute": 2, "second": 41}
